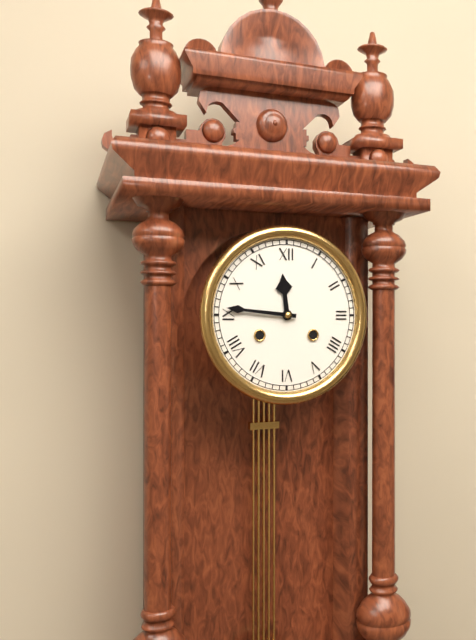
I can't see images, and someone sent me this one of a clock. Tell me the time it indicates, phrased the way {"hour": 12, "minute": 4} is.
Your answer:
{"hour": 11, "minute": 46}
